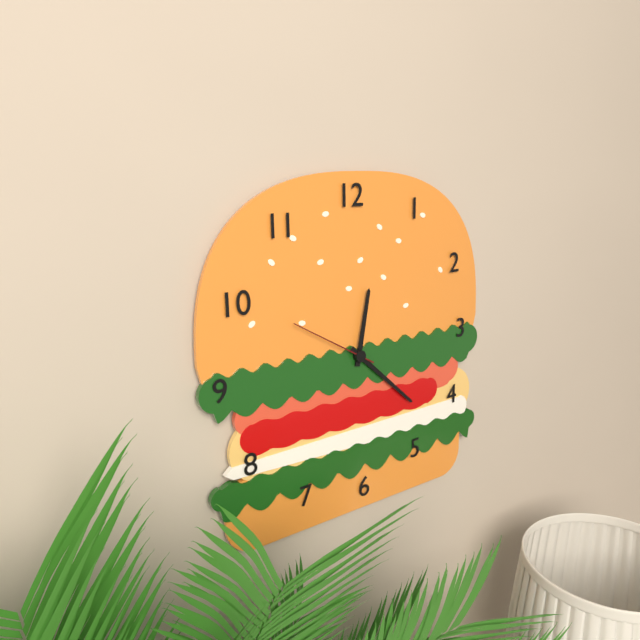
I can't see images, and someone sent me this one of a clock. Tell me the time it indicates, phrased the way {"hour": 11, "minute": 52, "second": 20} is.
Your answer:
{"hour": 12, "minute": 22, "second": 50}
